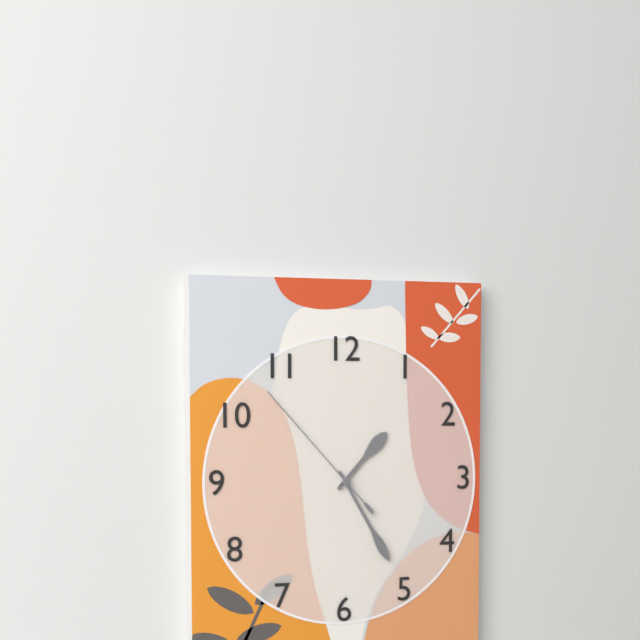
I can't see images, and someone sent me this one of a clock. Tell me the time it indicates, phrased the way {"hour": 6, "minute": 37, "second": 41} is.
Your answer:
{"hour": 1, "minute": 25, "second": 53}
